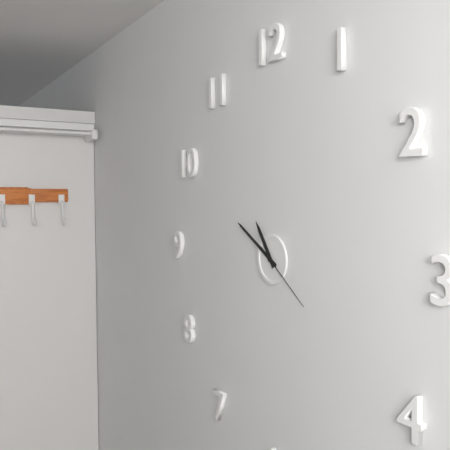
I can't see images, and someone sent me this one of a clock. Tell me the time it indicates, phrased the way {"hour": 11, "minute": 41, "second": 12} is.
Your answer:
{"hour": 10, "minute": 50, "second": 21}
